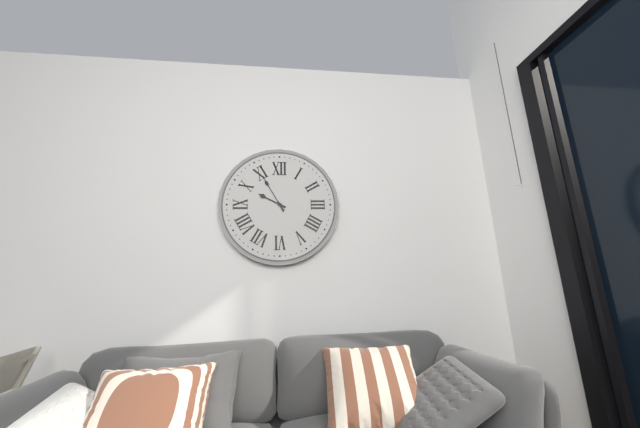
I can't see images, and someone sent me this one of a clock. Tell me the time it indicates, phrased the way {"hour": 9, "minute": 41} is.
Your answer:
{"hour": 9, "minute": 55}
